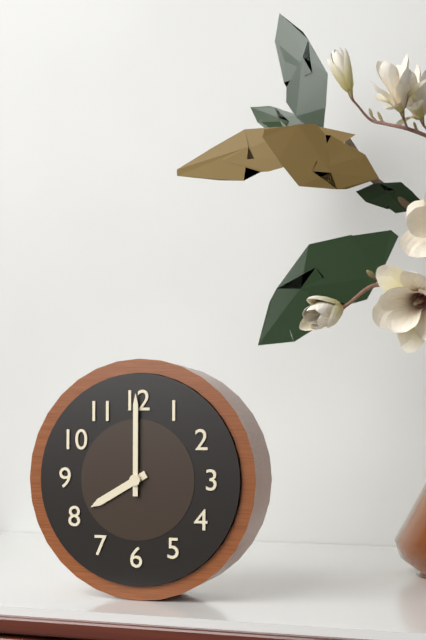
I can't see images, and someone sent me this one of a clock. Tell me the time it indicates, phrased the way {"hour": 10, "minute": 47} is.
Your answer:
{"hour": 8, "minute": 0}
